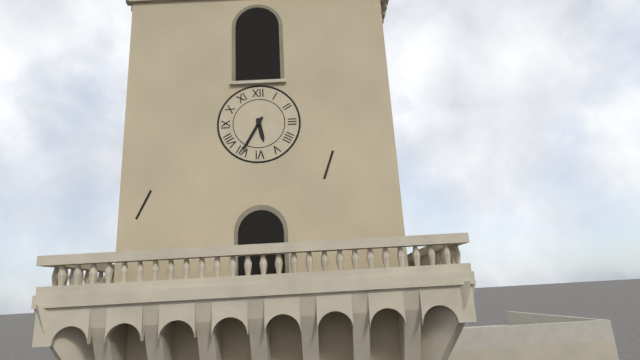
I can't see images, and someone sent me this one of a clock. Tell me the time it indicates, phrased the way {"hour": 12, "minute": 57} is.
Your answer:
{"hour": 5, "minute": 35}
